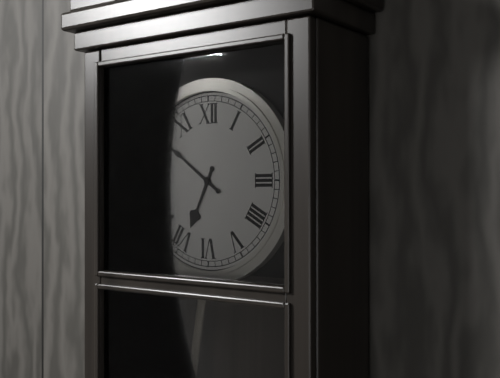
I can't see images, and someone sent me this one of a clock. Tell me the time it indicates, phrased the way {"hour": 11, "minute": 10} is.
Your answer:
{"hour": 6, "minute": 51}
